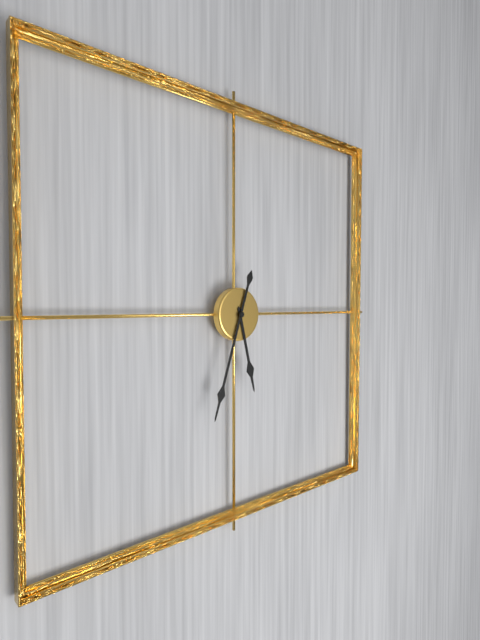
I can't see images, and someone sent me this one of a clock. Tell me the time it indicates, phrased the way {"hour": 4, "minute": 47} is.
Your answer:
{"hour": 5, "minute": 33}
